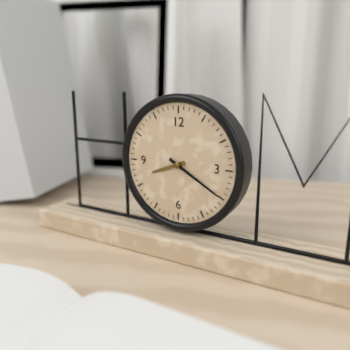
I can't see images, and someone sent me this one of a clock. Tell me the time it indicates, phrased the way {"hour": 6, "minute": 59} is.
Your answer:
{"hour": 8, "minute": 20}
